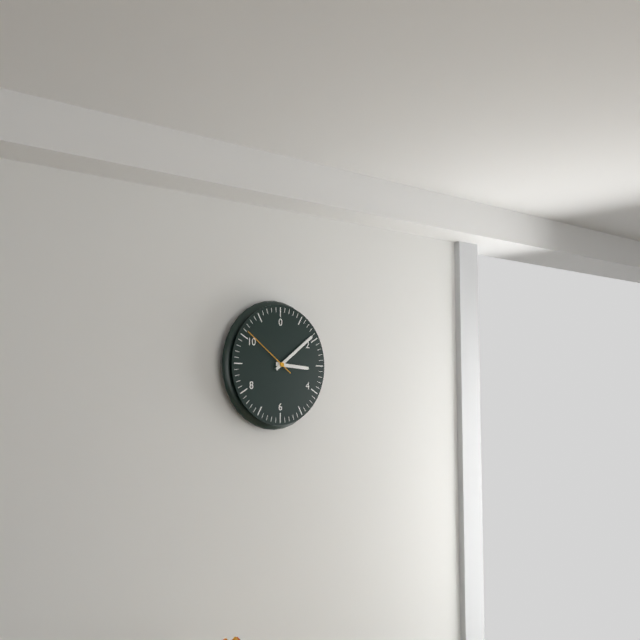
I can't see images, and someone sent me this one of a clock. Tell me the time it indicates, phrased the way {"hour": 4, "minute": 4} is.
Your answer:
{"hour": 3, "minute": 9}
